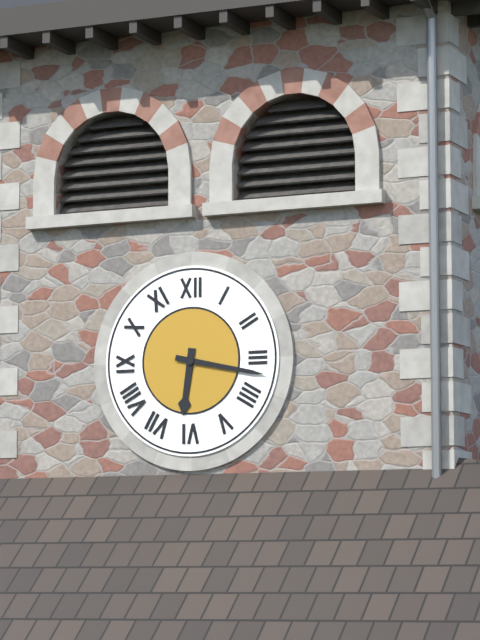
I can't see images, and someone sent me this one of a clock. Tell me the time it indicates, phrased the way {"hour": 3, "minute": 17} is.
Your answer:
{"hour": 6, "minute": 17}
